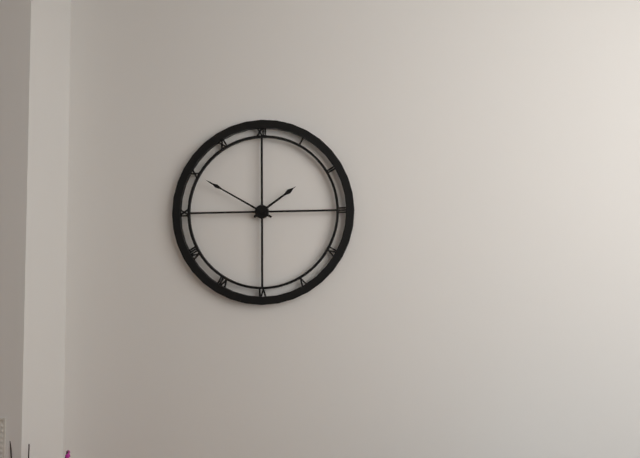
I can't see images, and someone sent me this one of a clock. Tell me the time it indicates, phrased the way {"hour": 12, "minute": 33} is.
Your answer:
{"hour": 1, "minute": 50}
